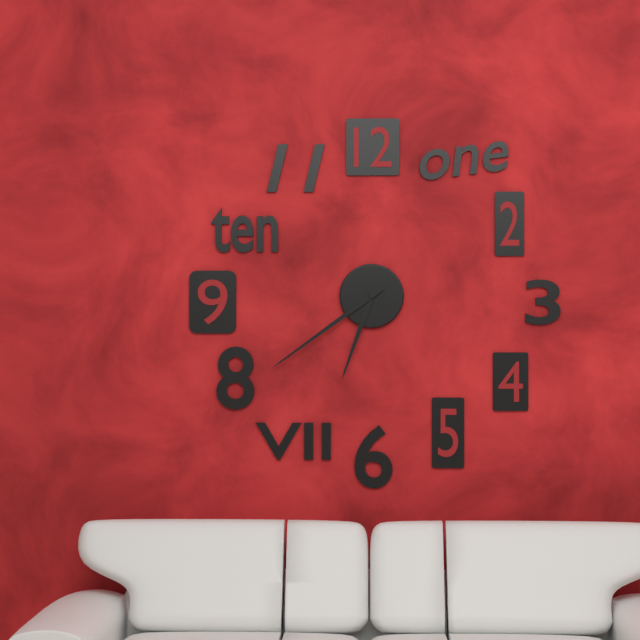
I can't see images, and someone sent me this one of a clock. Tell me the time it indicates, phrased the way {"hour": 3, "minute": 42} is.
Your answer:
{"hour": 6, "minute": 39}
